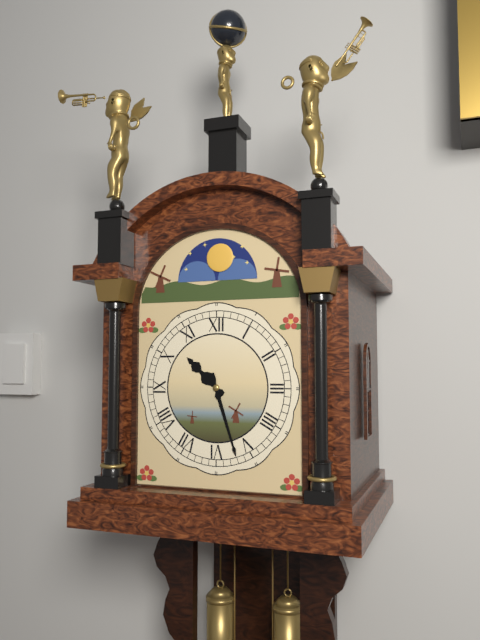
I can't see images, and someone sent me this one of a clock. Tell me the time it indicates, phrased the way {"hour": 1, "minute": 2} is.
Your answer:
{"hour": 10, "minute": 27}
